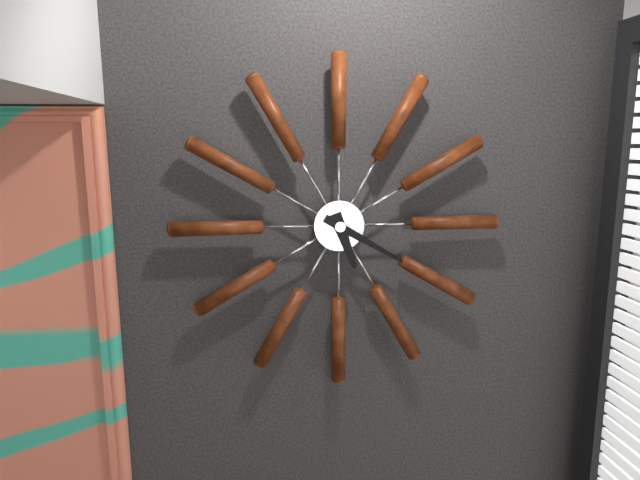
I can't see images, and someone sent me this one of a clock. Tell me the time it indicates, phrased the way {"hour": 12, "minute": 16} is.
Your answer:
{"hour": 5, "minute": 20}
